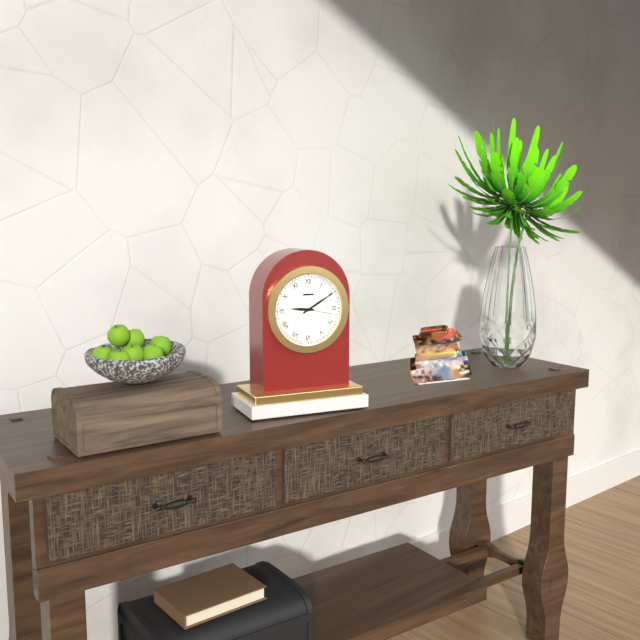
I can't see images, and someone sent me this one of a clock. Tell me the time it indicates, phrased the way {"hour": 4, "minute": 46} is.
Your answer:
{"hour": 9, "minute": 10}
